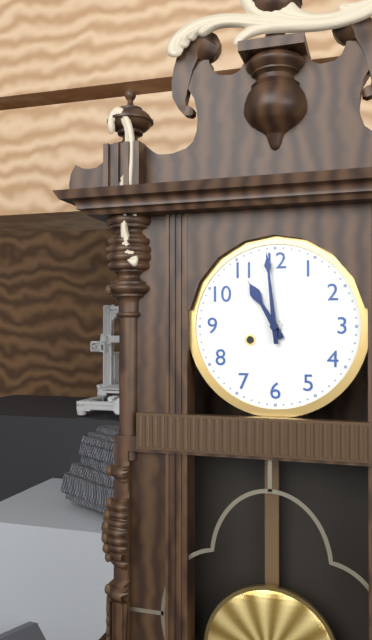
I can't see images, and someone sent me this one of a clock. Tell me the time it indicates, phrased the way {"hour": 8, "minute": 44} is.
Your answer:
{"hour": 10, "minute": 59}
